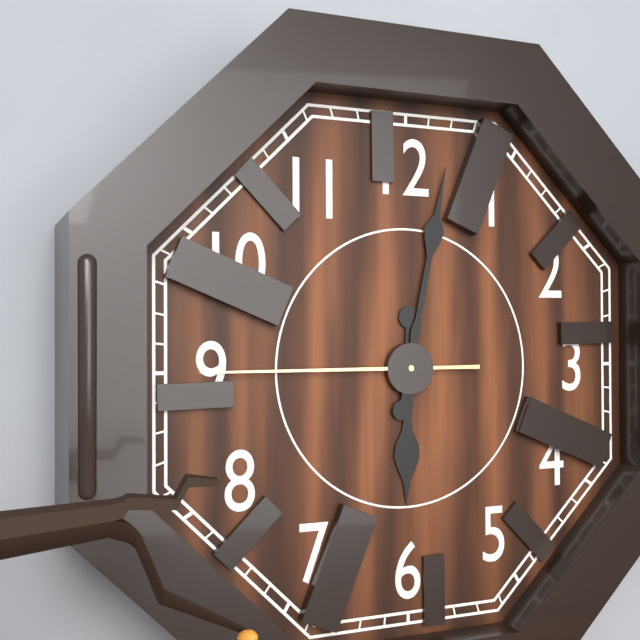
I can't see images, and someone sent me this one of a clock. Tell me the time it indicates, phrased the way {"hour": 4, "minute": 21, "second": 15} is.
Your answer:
{"hour": 6, "minute": 2, "second": 45}
